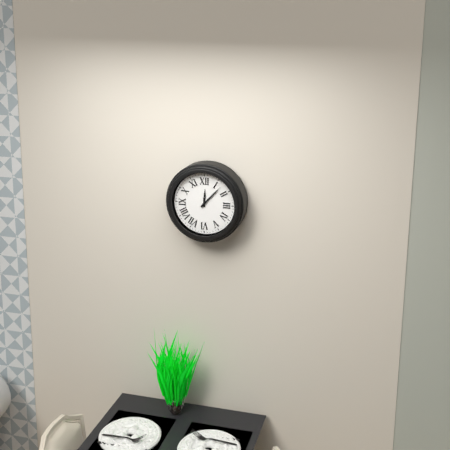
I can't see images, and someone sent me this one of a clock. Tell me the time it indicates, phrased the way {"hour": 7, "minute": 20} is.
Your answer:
{"hour": 12, "minute": 7}
